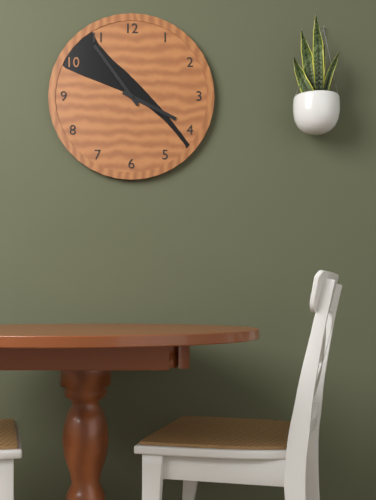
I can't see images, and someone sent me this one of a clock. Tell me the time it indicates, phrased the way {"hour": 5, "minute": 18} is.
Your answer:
{"hour": 3, "minute": 54}
